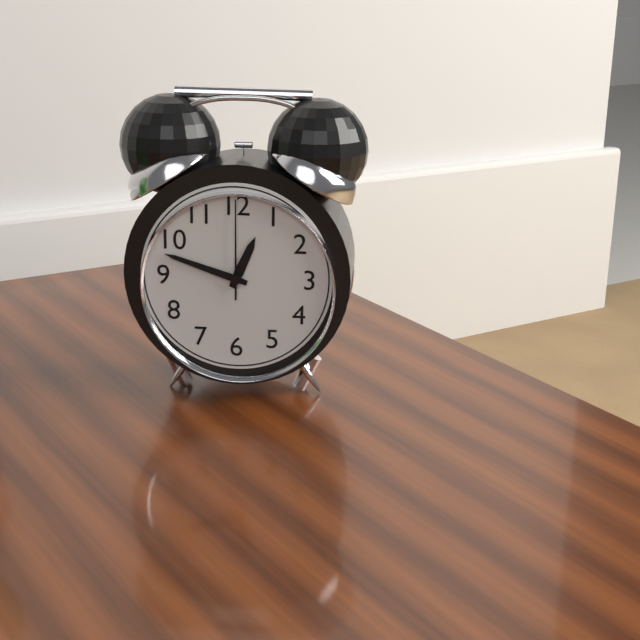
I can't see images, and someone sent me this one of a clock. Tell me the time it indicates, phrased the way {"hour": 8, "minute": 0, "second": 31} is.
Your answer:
{"hour": 12, "minute": 48, "second": 0}
